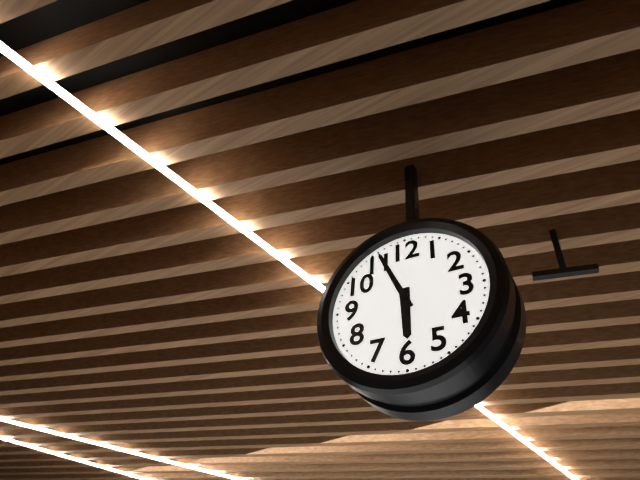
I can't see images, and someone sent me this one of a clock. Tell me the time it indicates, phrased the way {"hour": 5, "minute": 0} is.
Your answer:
{"hour": 5, "minute": 56}
